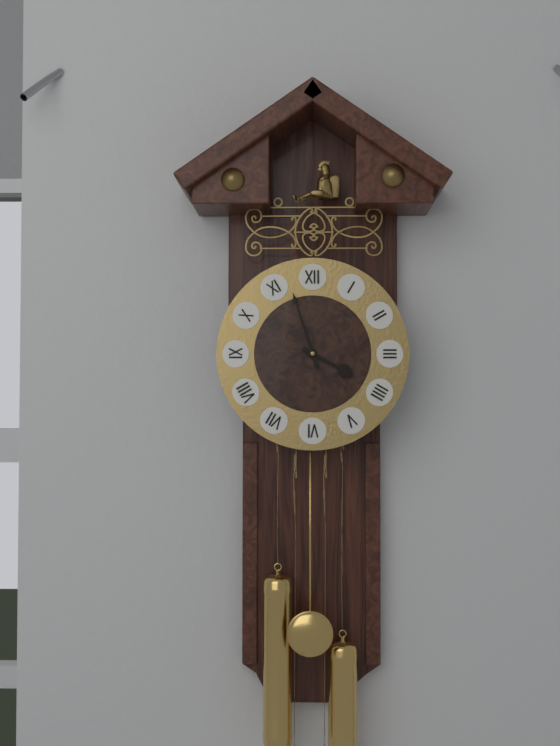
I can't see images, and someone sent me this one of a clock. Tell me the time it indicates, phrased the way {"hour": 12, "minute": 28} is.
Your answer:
{"hour": 3, "minute": 57}
